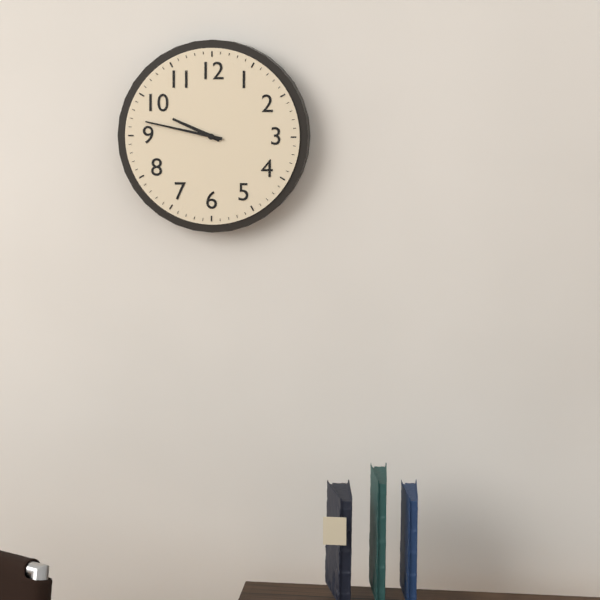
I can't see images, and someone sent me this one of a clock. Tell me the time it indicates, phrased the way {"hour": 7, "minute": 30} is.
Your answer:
{"hour": 9, "minute": 47}
